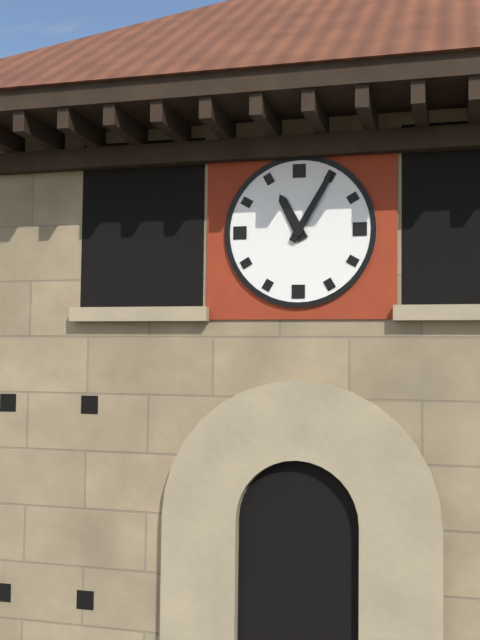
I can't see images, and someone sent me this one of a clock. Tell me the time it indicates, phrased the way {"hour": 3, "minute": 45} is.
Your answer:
{"hour": 11, "minute": 5}
